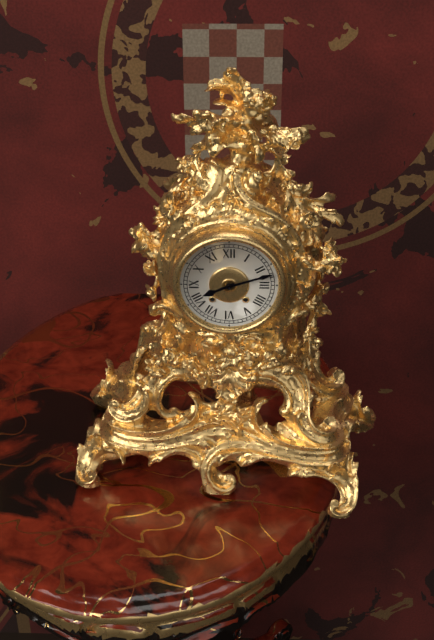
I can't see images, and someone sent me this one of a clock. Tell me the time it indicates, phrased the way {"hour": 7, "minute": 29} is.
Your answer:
{"hour": 8, "minute": 12}
